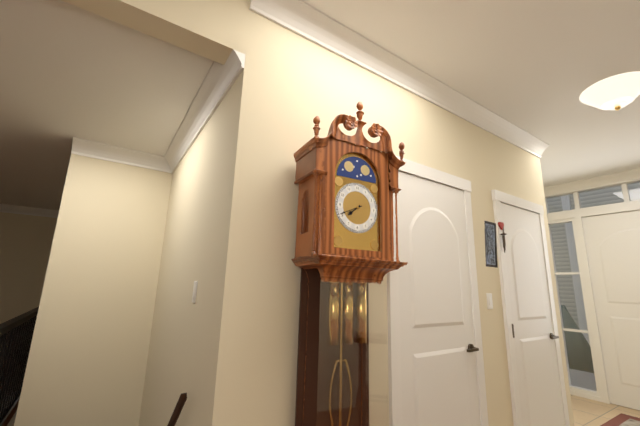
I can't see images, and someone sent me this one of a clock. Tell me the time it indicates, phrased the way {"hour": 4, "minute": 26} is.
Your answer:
{"hour": 7, "minute": 41}
